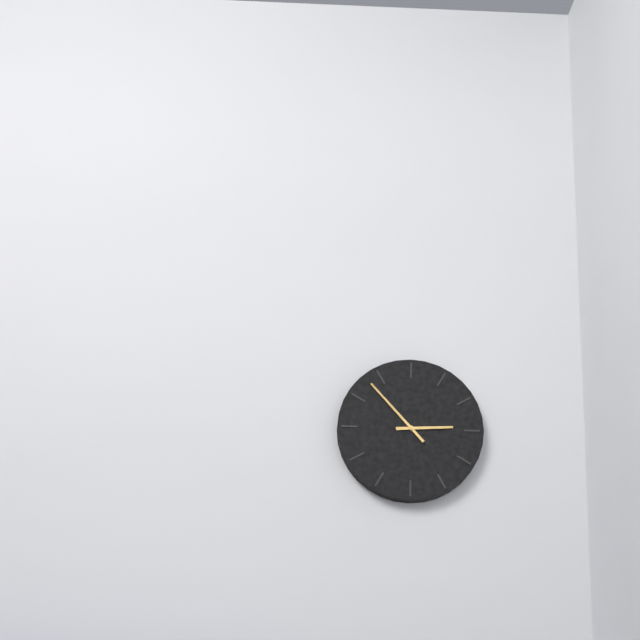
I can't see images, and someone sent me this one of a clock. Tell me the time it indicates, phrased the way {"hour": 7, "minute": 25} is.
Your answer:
{"hour": 2, "minute": 53}
